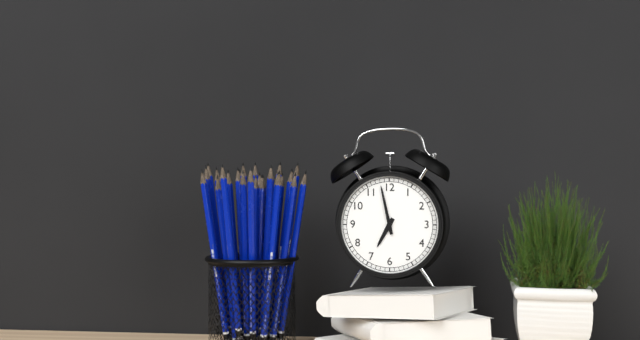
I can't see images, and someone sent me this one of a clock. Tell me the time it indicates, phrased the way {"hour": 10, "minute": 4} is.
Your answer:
{"hour": 6, "minute": 58}
